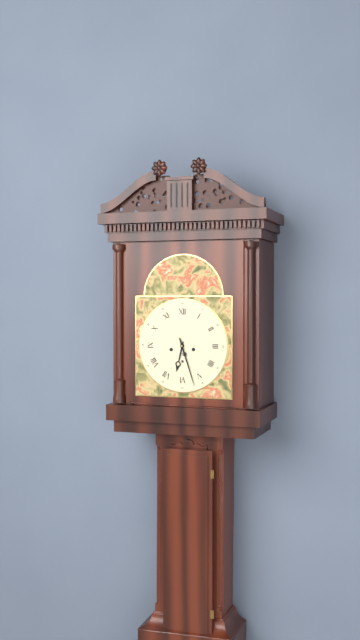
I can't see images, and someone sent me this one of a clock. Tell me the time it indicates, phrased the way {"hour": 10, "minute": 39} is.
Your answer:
{"hour": 6, "minute": 27}
